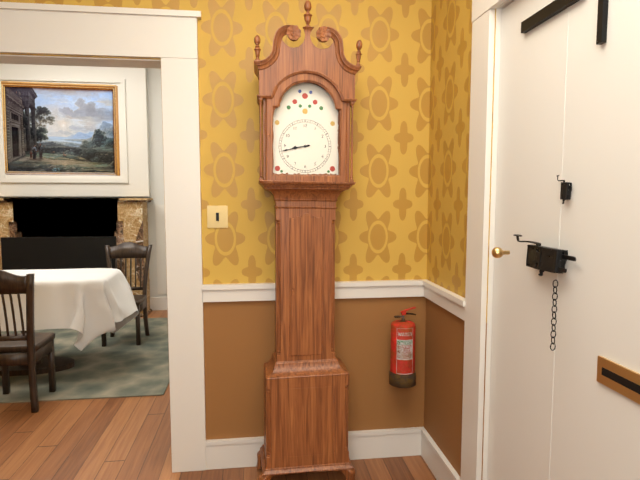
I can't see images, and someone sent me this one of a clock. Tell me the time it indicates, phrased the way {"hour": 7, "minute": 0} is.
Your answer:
{"hour": 8, "minute": 43}
